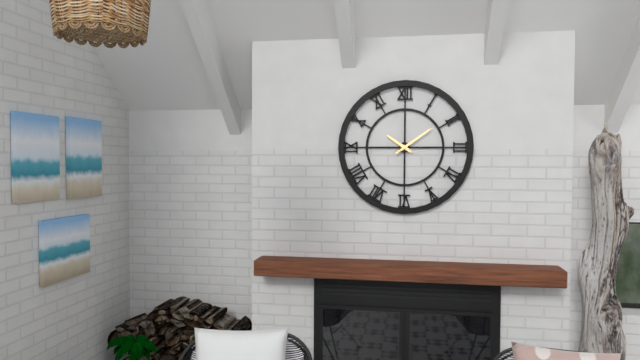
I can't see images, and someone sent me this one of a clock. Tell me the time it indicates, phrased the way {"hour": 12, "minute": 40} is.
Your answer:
{"hour": 10, "minute": 9}
